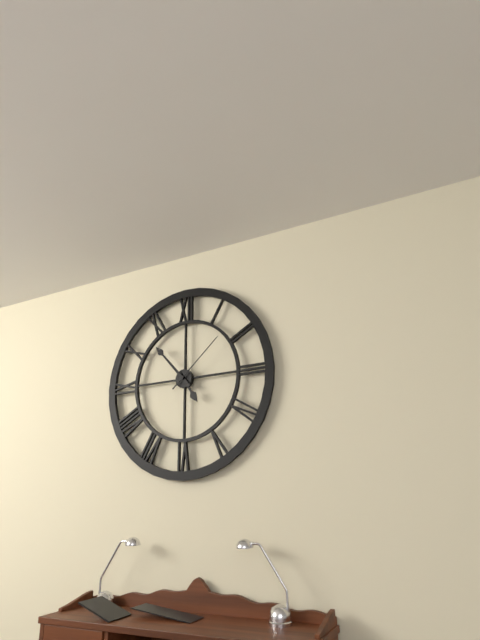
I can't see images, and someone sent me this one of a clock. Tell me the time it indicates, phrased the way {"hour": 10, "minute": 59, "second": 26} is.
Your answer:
{"hour": 4, "minute": 53, "second": 8}
